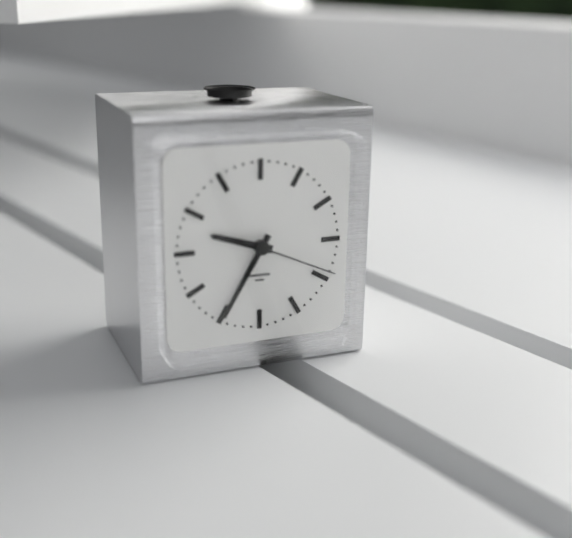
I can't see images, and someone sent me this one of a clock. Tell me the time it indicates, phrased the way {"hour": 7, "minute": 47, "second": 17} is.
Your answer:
{"hour": 9, "minute": 35, "second": 19}
